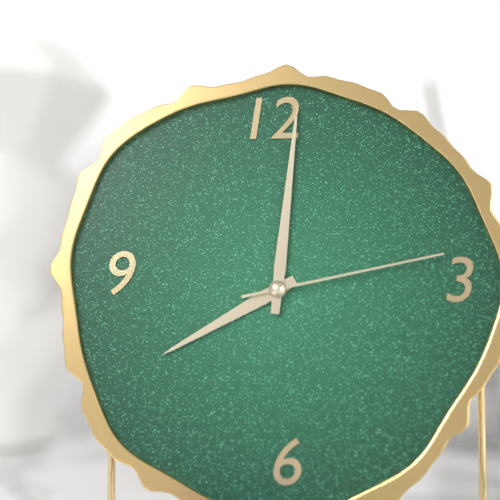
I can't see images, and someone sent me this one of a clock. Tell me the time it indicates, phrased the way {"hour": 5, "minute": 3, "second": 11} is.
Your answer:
{"hour": 8, "minute": 1, "second": 13}
